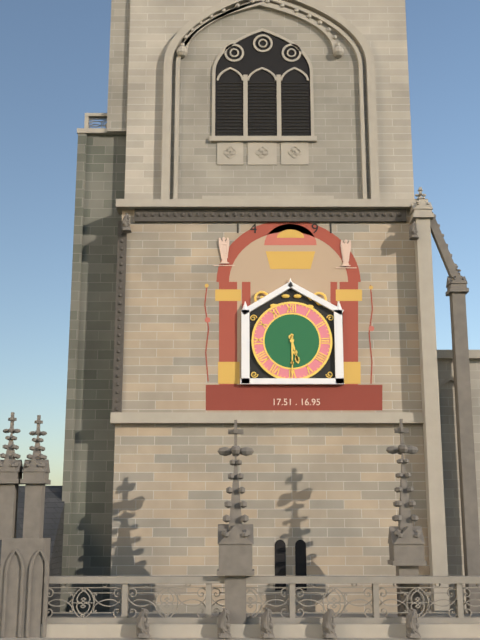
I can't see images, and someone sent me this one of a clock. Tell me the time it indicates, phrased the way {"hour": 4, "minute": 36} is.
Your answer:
{"hour": 5, "minute": 30}
